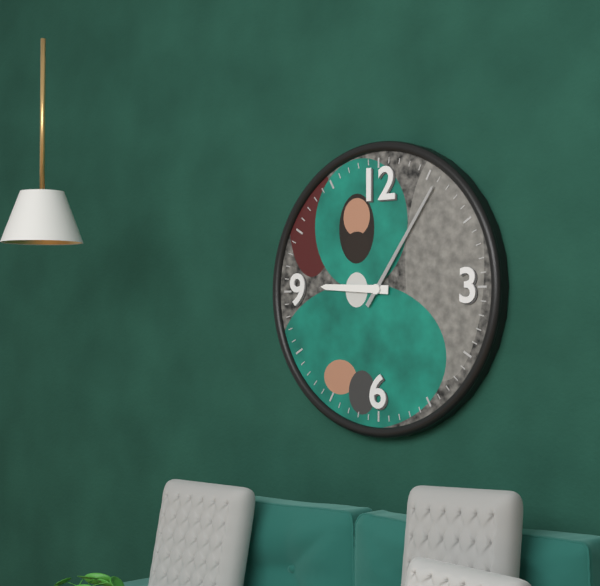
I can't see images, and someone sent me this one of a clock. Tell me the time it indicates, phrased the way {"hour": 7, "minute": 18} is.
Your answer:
{"hour": 9, "minute": 6}
